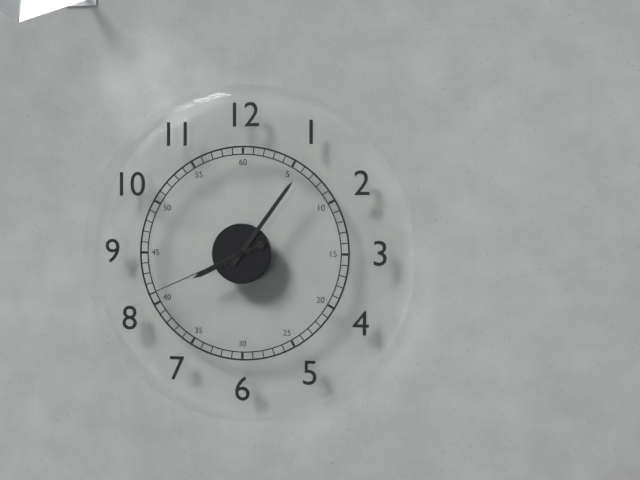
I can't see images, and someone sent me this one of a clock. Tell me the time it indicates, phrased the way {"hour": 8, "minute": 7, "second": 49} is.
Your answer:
{"hour": 8, "minute": 6, "second": 41}
